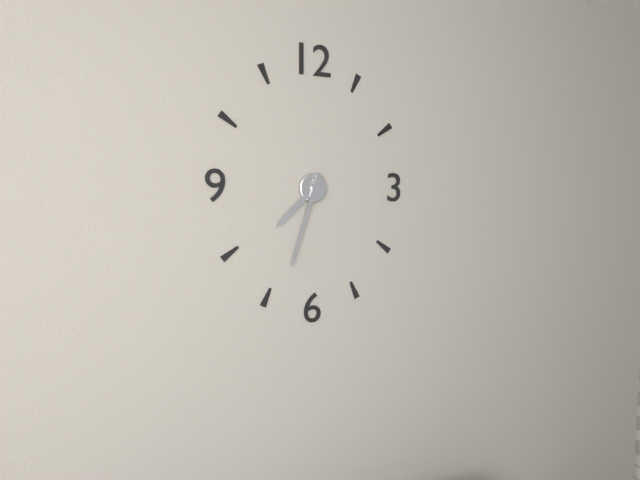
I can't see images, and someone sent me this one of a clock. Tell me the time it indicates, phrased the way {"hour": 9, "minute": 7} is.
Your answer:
{"hour": 7, "minute": 33}
